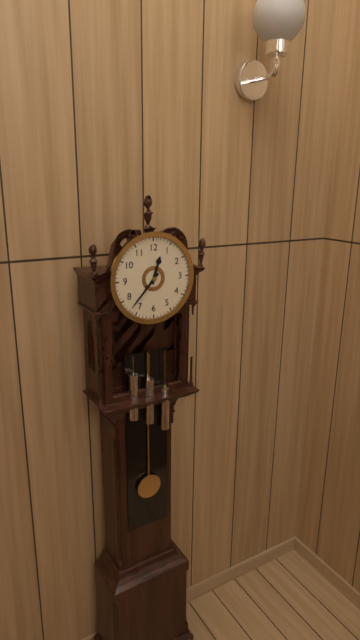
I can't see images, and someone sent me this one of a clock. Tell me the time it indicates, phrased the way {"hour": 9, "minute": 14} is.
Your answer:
{"hour": 12, "minute": 37}
